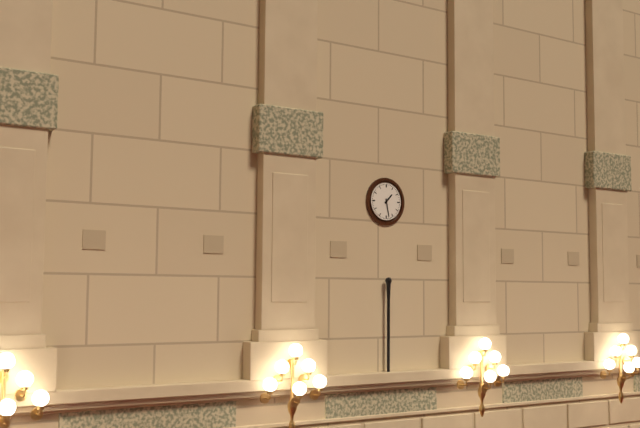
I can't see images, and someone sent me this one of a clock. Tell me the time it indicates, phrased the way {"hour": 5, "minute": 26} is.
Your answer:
{"hour": 1, "minute": 28}
